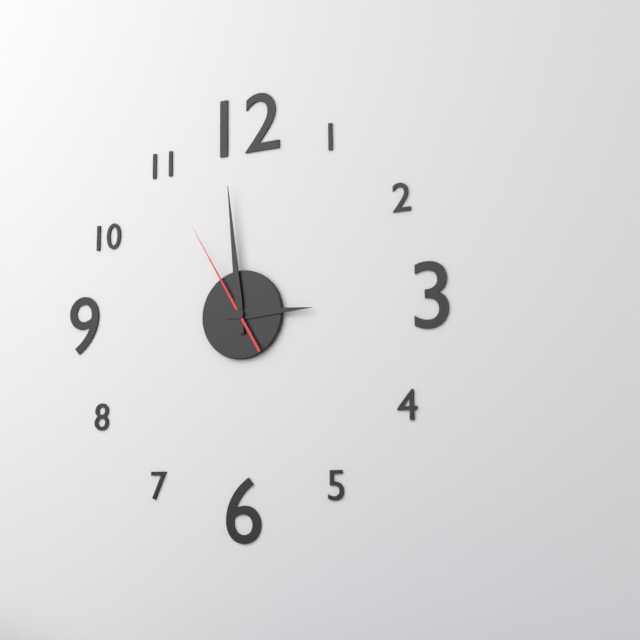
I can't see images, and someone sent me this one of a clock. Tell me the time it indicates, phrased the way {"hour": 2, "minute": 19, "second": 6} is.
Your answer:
{"hour": 2, "minute": 59, "second": 55}
